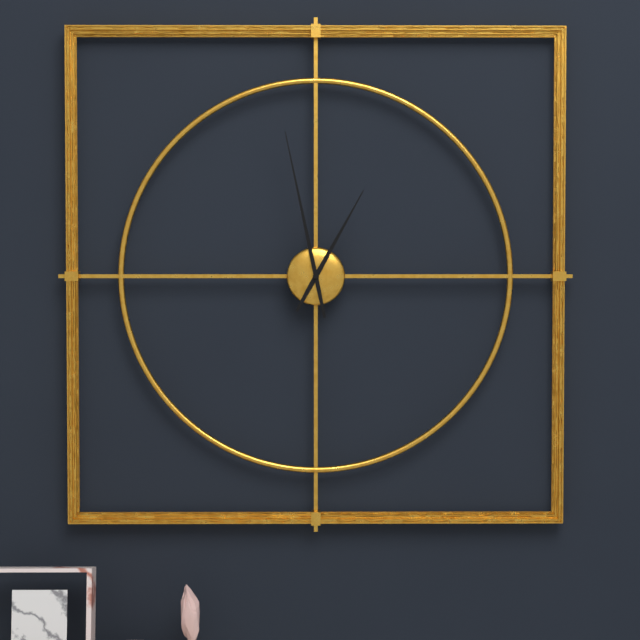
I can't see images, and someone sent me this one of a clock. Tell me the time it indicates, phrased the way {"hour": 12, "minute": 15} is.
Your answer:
{"hour": 12, "minute": 58}
